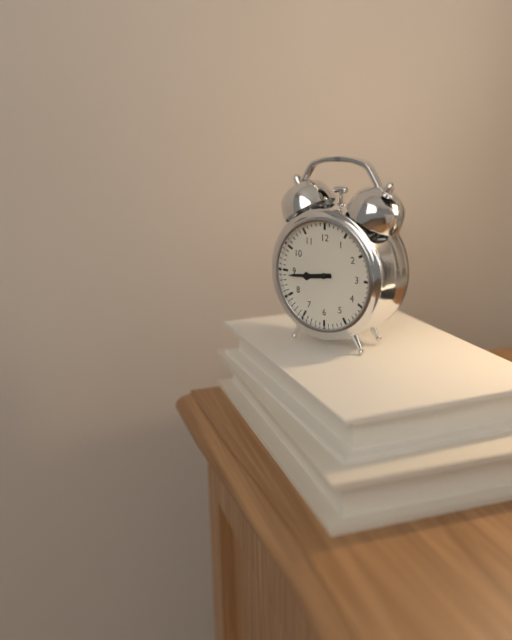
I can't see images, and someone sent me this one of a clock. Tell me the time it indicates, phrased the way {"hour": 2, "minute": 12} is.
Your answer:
{"hour": 8, "minute": 44}
